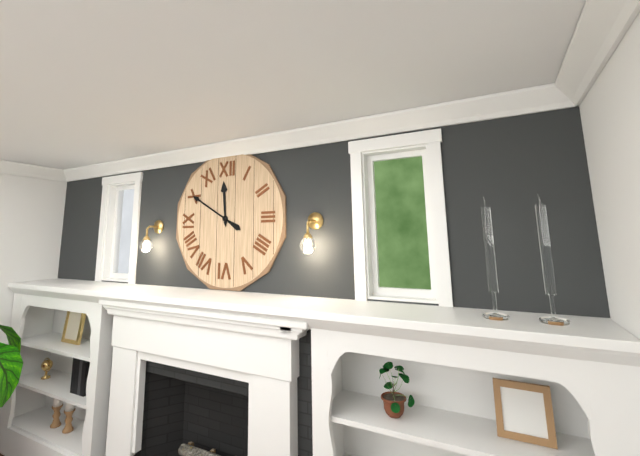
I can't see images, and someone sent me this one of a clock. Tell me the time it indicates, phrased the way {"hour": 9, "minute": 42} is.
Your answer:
{"hour": 11, "minute": 50}
